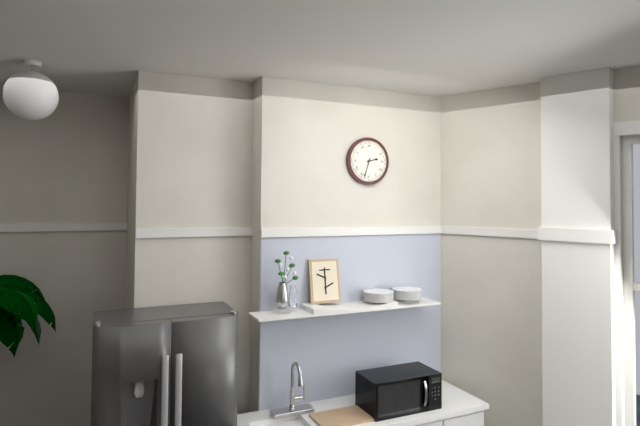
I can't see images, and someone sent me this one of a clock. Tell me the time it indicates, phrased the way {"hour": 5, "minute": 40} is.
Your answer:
{"hour": 2, "minute": 33}
